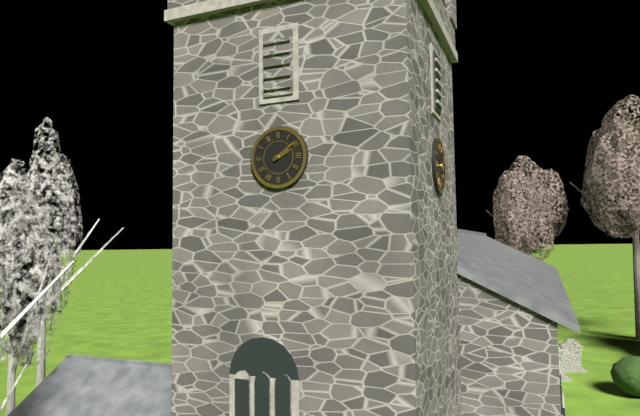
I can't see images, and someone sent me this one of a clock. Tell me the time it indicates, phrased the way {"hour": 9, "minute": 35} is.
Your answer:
{"hour": 2, "minute": 9}
